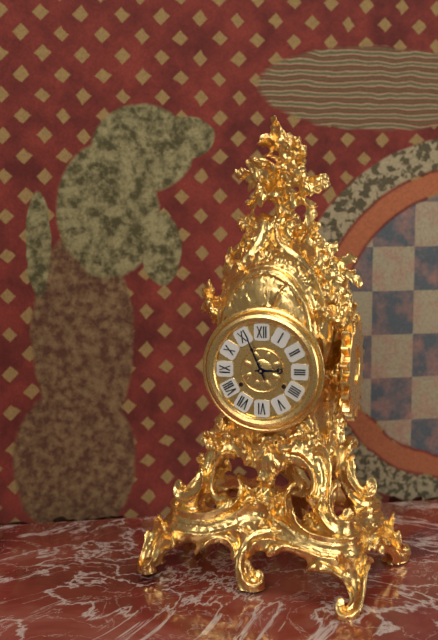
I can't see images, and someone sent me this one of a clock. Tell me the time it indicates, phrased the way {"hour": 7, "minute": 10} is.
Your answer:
{"hour": 2, "minute": 56}
